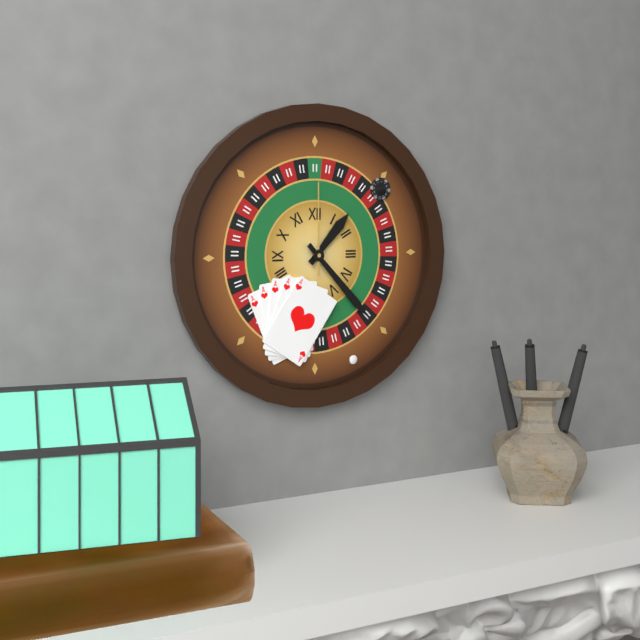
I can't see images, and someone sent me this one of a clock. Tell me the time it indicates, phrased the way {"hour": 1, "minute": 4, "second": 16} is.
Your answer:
{"hour": 1, "minute": 23, "second": 0}
